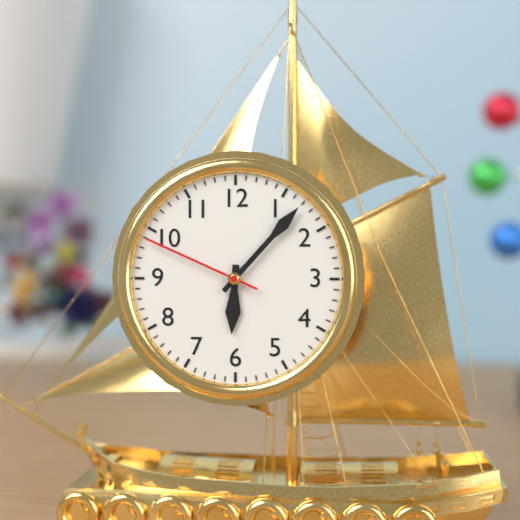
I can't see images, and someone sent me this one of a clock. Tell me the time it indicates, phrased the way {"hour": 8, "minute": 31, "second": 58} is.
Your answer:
{"hour": 6, "minute": 7, "second": 49}
